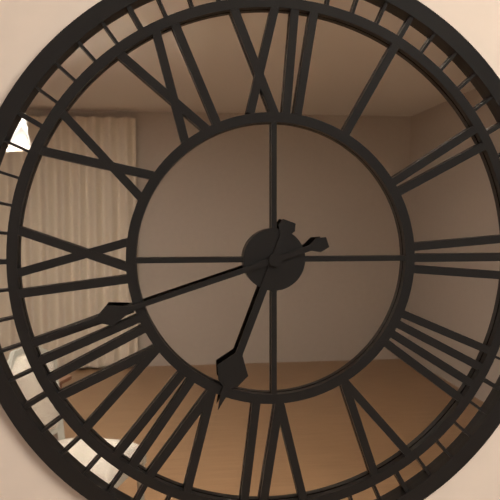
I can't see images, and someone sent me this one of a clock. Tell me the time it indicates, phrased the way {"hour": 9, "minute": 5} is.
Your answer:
{"hour": 6, "minute": 42}
